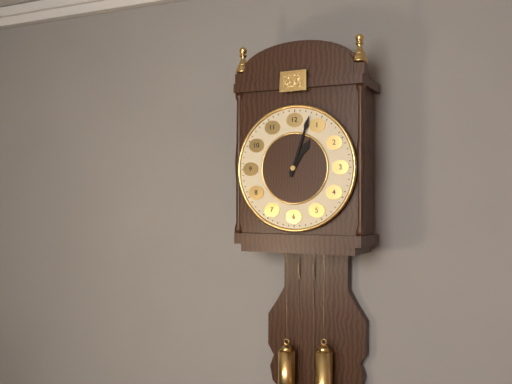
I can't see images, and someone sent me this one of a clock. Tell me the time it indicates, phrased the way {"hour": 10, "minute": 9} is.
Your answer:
{"hour": 1, "minute": 3}
